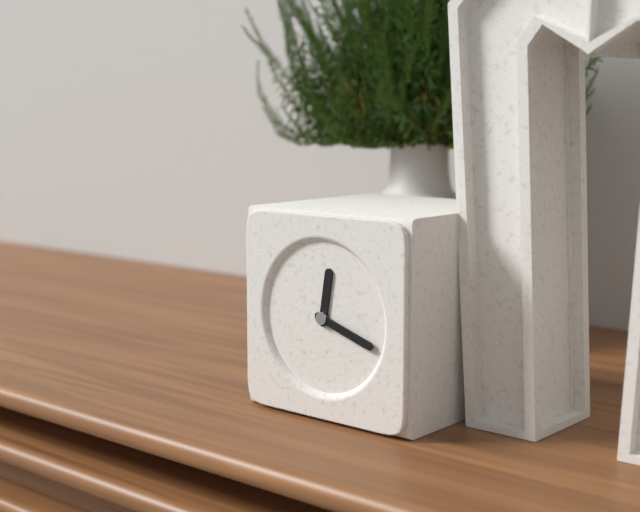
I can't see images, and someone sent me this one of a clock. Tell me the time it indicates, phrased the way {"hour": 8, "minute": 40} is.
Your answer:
{"hour": 12, "minute": 18}
